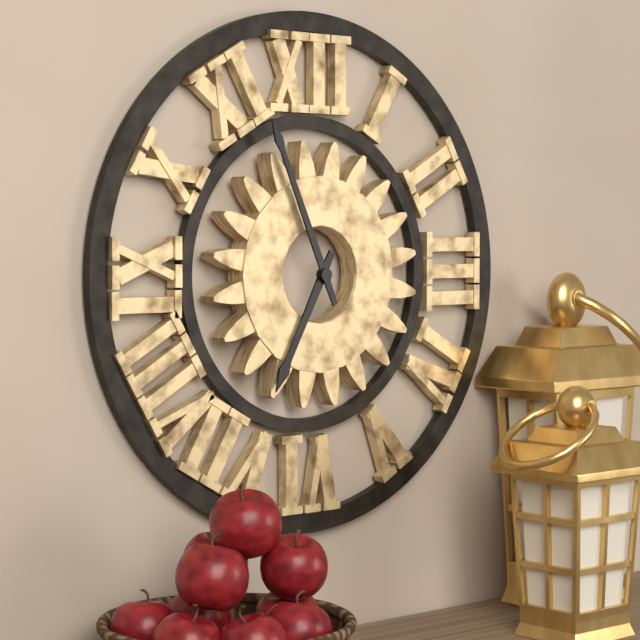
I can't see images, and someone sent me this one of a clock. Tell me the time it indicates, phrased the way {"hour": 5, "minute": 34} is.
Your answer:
{"hour": 6, "minute": 56}
